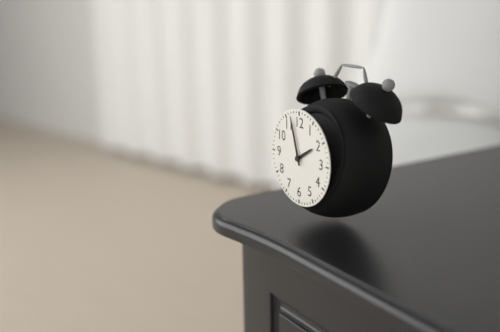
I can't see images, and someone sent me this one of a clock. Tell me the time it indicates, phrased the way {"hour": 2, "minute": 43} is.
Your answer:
{"hour": 1, "minute": 57}
